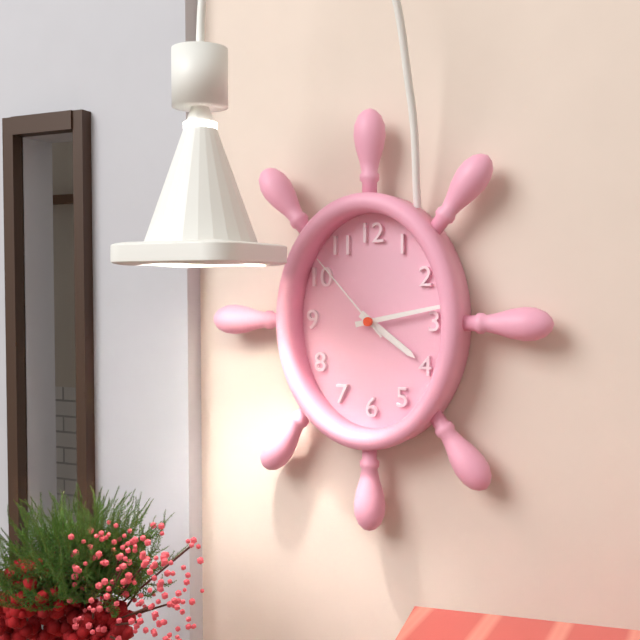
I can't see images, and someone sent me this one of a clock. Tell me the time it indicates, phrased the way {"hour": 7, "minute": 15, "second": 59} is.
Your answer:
{"hour": 4, "minute": 13, "second": 53}
